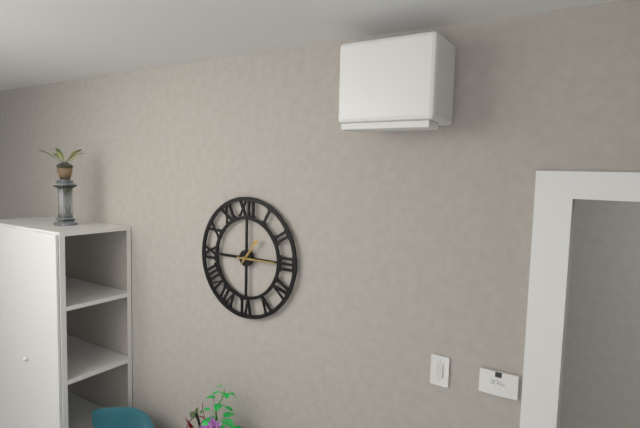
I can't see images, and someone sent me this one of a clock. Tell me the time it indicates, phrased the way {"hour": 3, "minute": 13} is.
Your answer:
{"hour": 1, "minute": 15}
